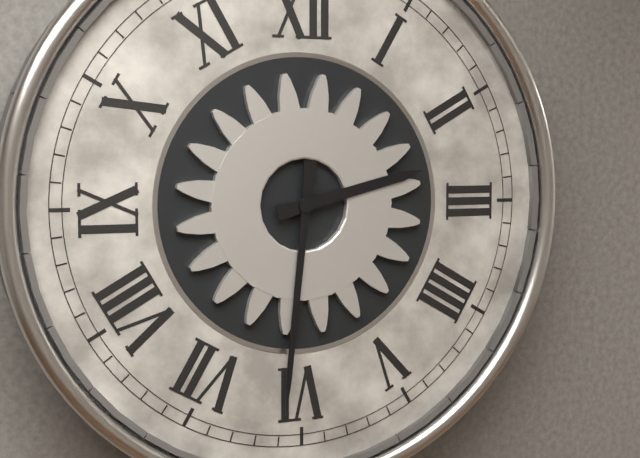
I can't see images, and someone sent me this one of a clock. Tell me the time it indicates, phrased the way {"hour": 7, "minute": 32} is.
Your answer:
{"hour": 2, "minute": 31}
